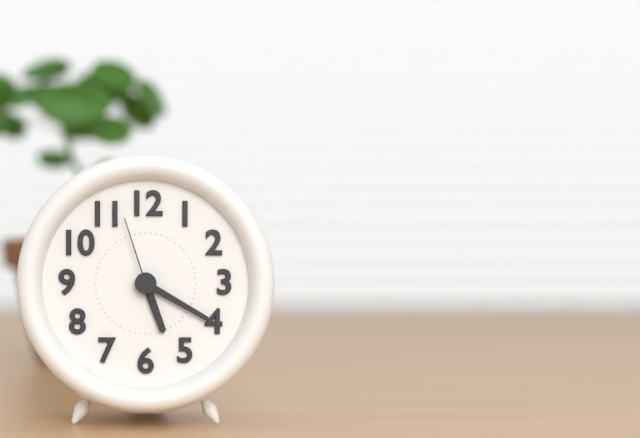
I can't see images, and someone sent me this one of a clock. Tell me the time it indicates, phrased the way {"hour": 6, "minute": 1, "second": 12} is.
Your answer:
{"hour": 5, "minute": 20, "second": 57}
